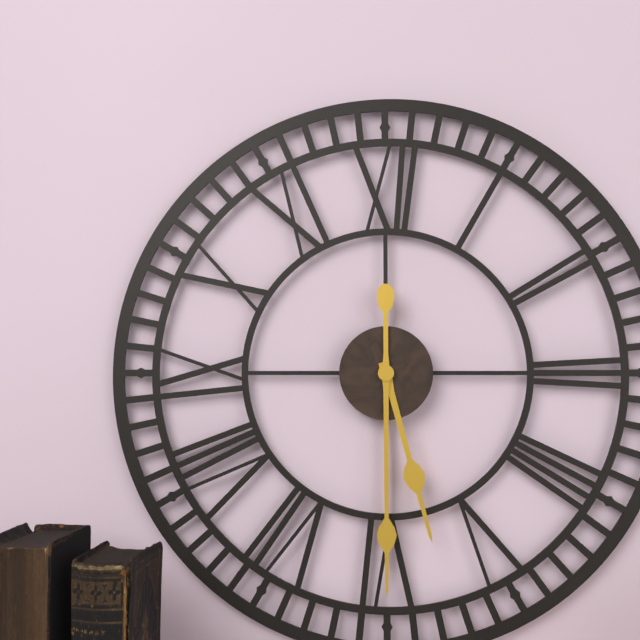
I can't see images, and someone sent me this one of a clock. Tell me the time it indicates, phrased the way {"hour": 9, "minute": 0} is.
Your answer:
{"hour": 5, "minute": 30}
